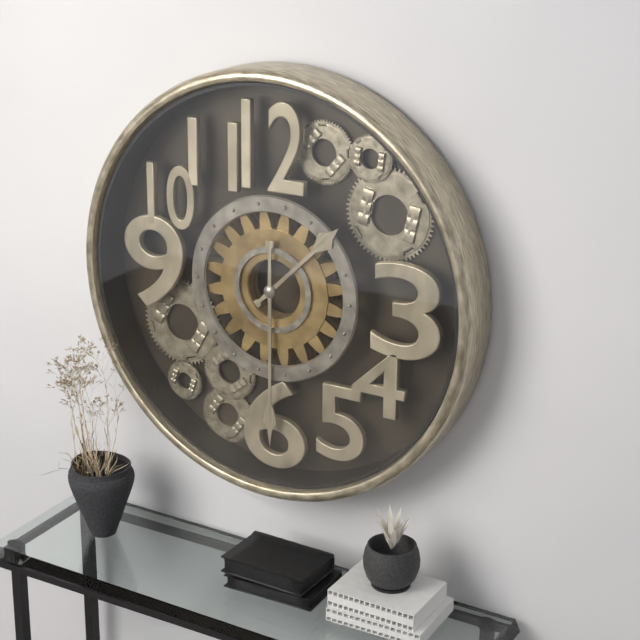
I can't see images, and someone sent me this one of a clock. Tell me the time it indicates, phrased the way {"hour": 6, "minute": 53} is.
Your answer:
{"hour": 1, "minute": 30}
